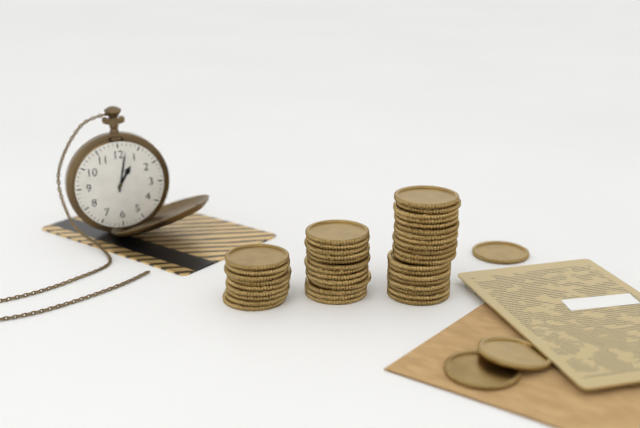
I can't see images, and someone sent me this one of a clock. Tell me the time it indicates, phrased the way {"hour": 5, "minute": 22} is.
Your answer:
{"hour": 1, "minute": 2}
